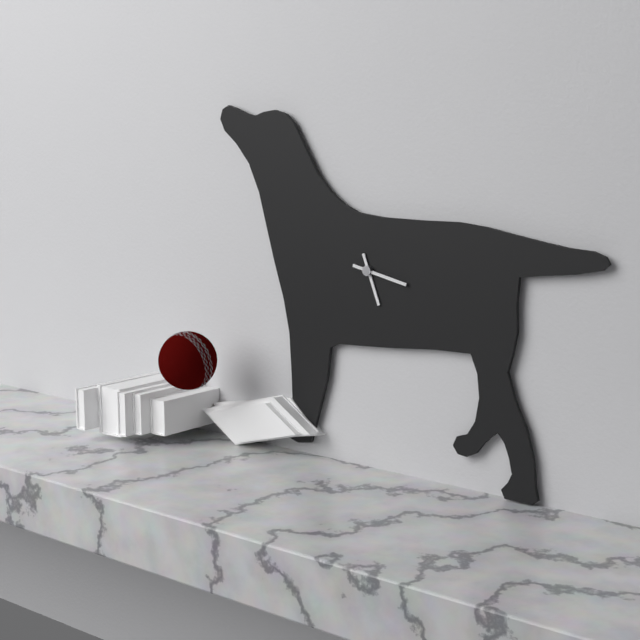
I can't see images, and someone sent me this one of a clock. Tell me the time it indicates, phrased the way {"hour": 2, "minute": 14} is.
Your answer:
{"hour": 5, "minute": 17}
